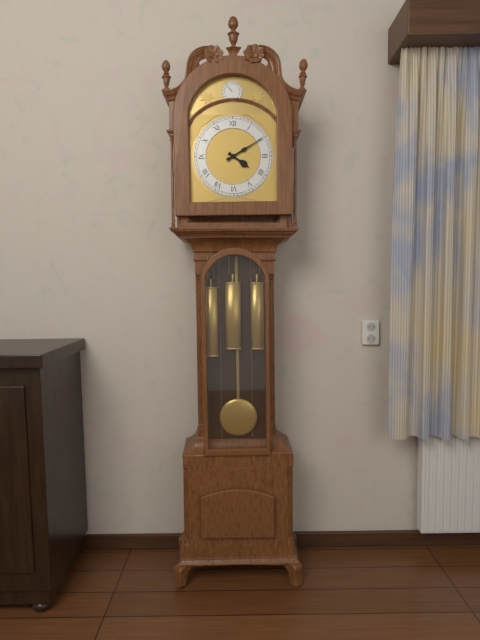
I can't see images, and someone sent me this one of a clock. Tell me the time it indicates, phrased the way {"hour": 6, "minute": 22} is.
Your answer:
{"hour": 4, "minute": 10}
